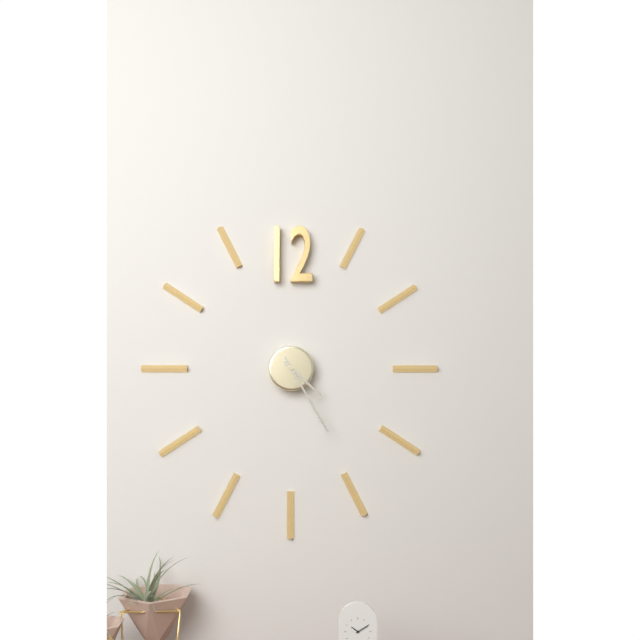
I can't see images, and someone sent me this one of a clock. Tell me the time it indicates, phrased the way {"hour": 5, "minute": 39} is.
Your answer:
{"hour": 4, "minute": 25}
